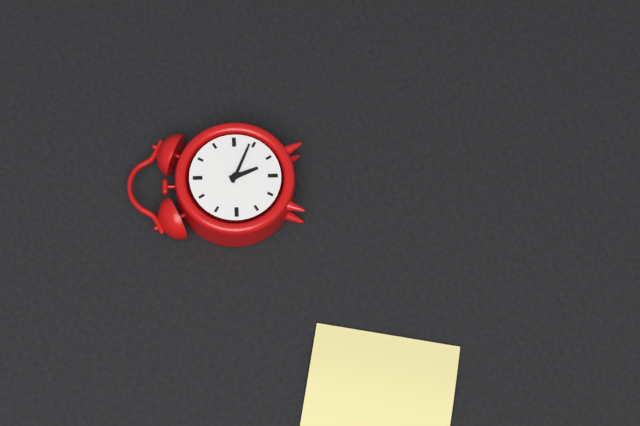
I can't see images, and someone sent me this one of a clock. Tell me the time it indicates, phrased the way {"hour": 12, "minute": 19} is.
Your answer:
{"hour": 5, "minute": 19}
